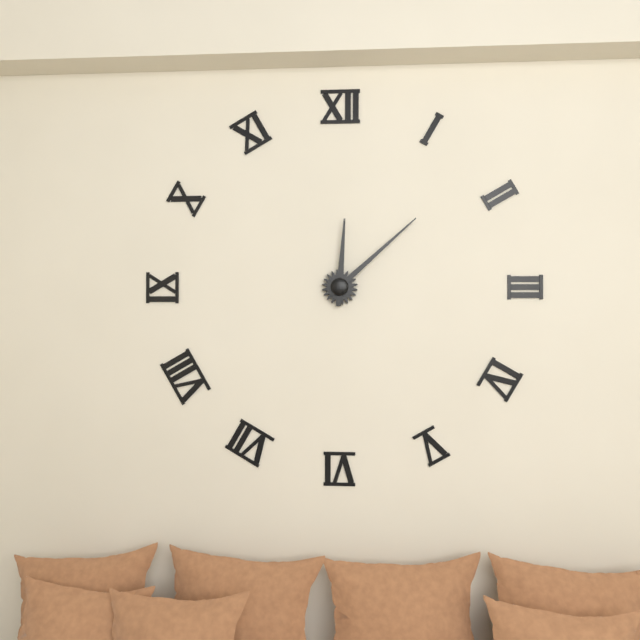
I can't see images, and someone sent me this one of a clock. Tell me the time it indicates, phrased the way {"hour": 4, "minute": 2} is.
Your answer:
{"hour": 12, "minute": 8}
